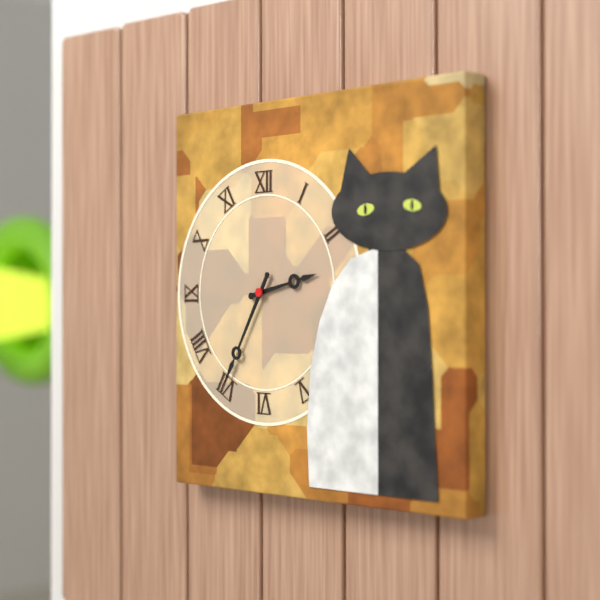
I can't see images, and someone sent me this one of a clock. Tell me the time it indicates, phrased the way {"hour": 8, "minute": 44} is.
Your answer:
{"hour": 2, "minute": 35}
